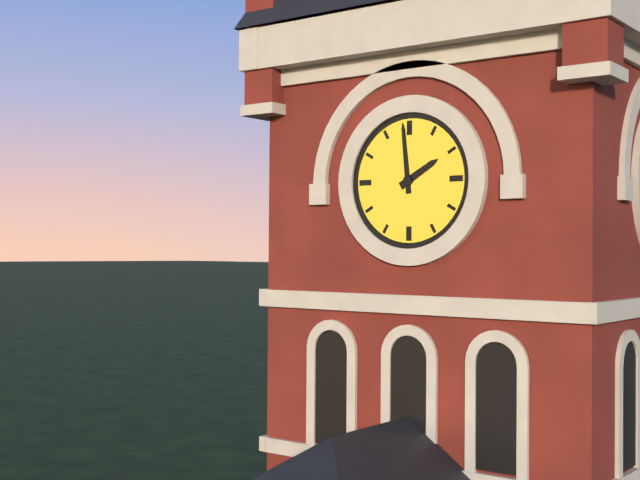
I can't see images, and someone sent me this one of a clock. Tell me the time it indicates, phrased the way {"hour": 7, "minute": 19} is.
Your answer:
{"hour": 1, "minute": 59}
